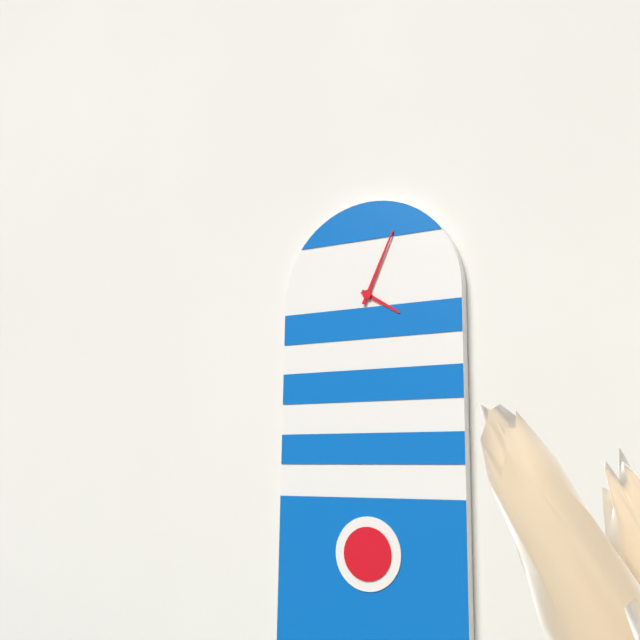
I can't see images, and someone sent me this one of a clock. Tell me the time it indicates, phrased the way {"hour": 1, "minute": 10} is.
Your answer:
{"hour": 4, "minute": 4}
